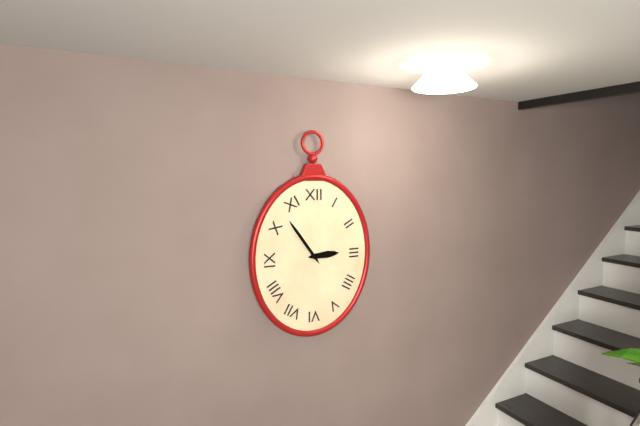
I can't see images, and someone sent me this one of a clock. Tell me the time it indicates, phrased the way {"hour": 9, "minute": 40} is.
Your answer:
{"hour": 2, "minute": 54}
